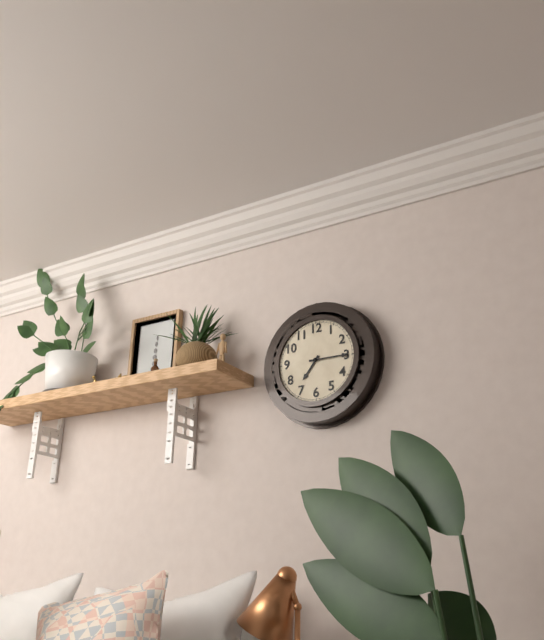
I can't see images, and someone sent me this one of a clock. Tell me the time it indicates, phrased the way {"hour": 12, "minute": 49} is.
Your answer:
{"hour": 7, "minute": 15}
